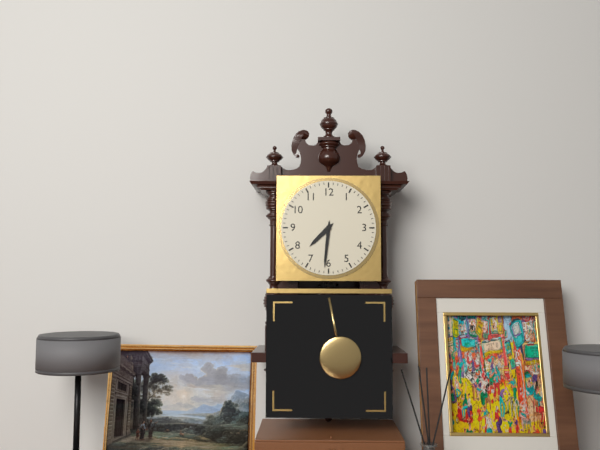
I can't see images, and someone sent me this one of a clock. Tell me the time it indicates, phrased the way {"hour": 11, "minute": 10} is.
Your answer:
{"hour": 7, "minute": 31}
